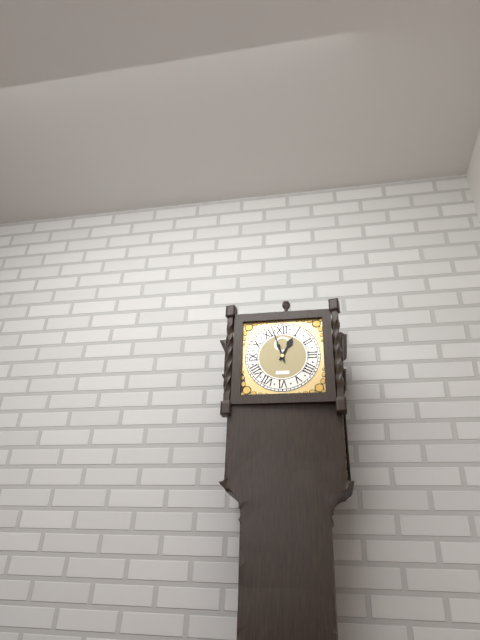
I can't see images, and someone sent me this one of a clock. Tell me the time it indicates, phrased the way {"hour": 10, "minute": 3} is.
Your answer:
{"hour": 12, "minute": 57}
